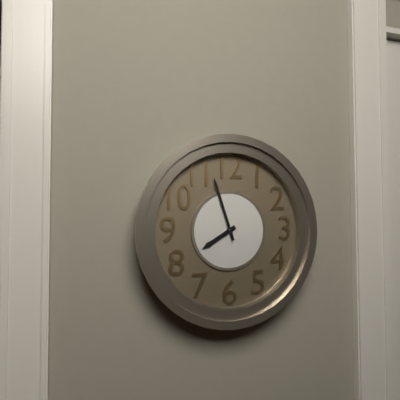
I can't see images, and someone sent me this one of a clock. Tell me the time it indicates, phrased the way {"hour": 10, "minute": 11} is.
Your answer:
{"hour": 7, "minute": 57}
